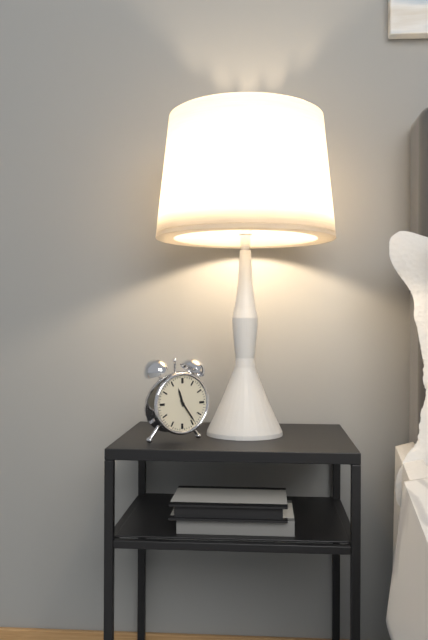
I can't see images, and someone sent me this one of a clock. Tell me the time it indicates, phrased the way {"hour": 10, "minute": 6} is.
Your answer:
{"hour": 11, "minute": 24}
